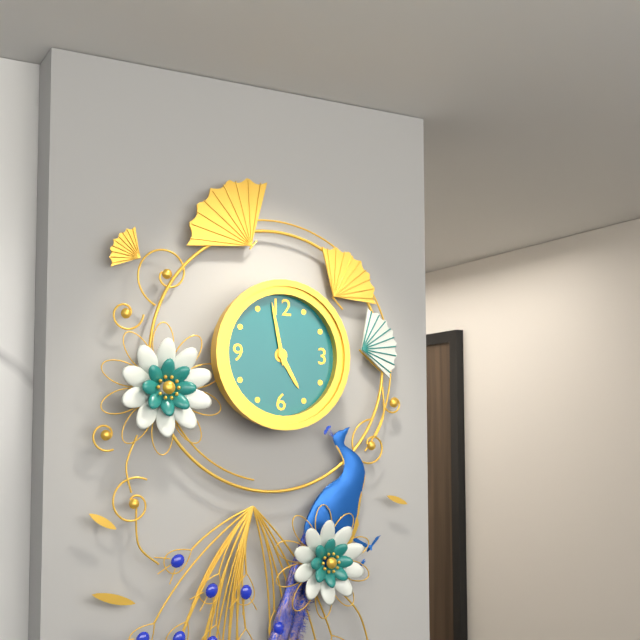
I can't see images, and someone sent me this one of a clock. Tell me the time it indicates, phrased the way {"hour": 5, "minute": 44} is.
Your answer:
{"hour": 4, "minute": 58}
